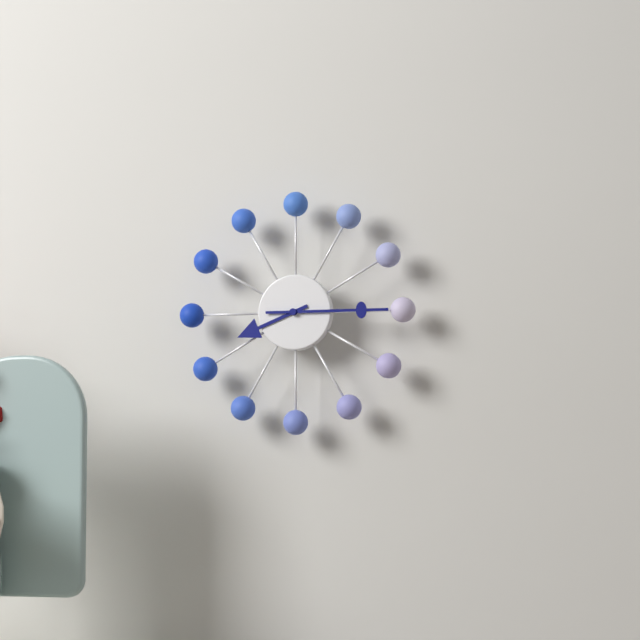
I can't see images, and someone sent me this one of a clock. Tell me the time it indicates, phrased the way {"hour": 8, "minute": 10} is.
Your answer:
{"hour": 8, "minute": 15}
